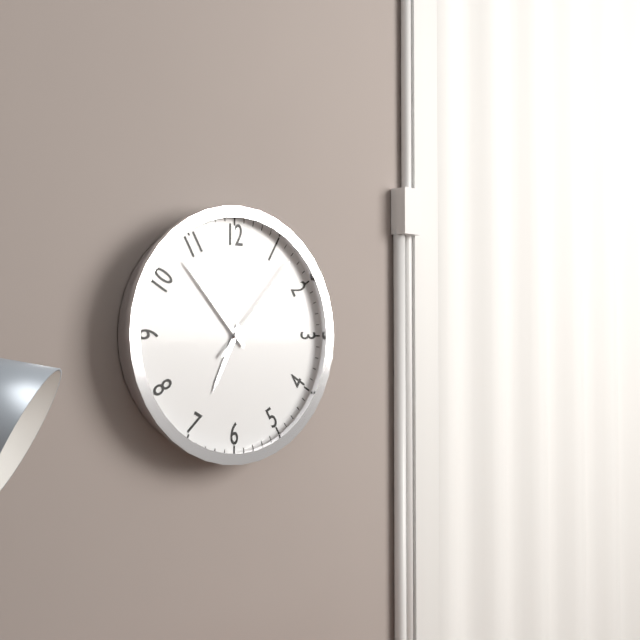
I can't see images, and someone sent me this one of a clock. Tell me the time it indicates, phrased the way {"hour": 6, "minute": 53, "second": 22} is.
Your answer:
{"hour": 6, "minute": 53, "second": 7}
